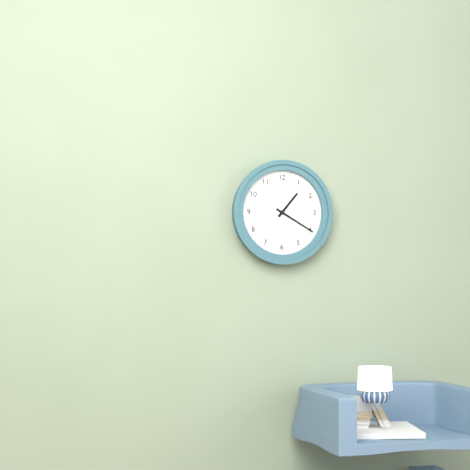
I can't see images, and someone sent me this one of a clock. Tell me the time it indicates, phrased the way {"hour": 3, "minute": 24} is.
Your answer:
{"hour": 1, "minute": 20}
